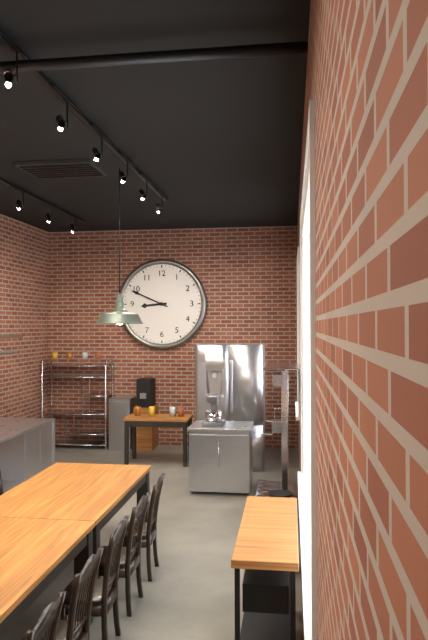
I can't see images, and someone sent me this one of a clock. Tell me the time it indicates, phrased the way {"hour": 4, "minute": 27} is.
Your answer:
{"hour": 8, "minute": 49}
